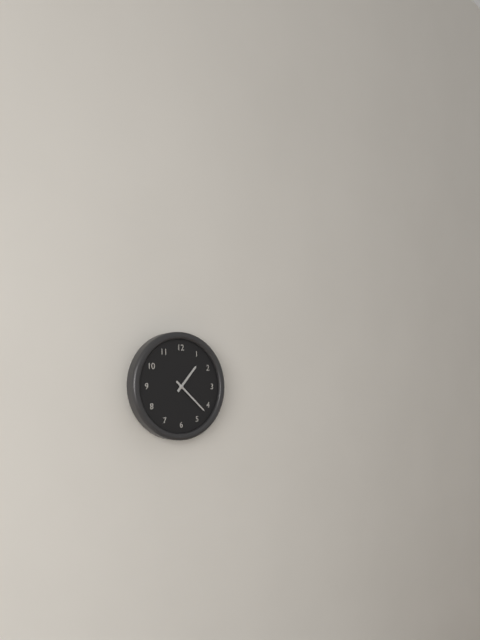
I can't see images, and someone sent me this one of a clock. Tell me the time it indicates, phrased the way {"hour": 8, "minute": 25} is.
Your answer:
{"hour": 1, "minute": 22}
